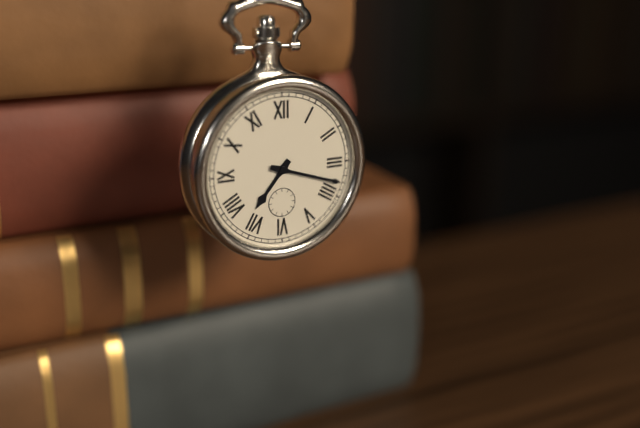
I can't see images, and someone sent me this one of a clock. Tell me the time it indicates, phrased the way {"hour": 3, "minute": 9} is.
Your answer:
{"hour": 7, "minute": 18}
